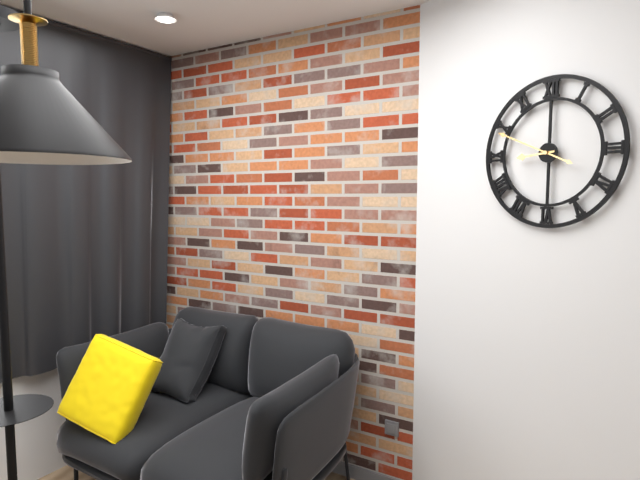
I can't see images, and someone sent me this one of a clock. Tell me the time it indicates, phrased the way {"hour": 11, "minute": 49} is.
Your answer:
{"hour": 8, "minute": 49}
